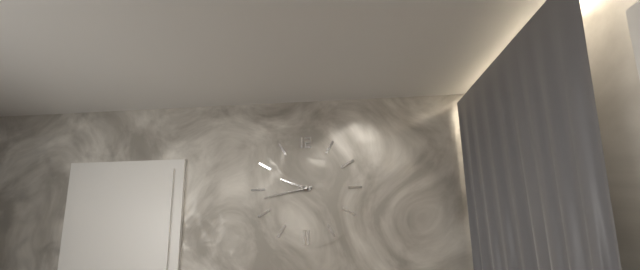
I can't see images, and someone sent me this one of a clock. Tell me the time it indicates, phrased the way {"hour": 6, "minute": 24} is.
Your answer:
{"hour": 9, "minute": 43}
